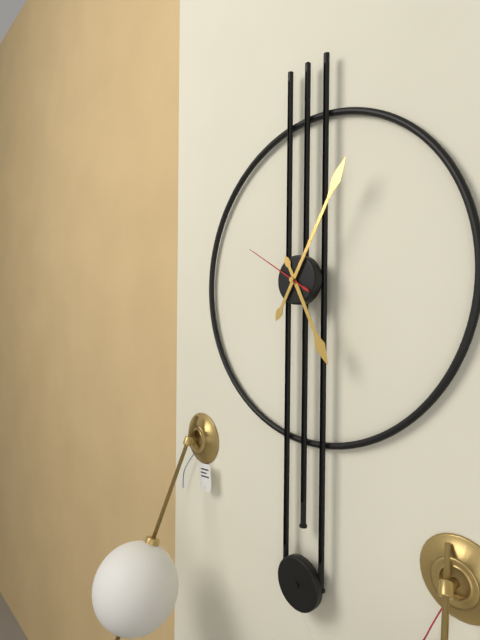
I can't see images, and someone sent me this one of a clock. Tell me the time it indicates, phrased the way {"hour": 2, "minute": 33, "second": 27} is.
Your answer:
{"hour": 5, "minute": 5, "second": 50}
